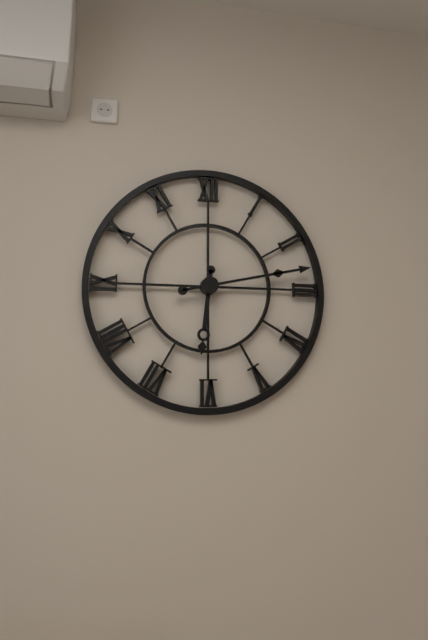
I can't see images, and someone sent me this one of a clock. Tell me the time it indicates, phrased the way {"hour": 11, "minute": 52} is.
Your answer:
{"hour": 6, "minute": 13}
